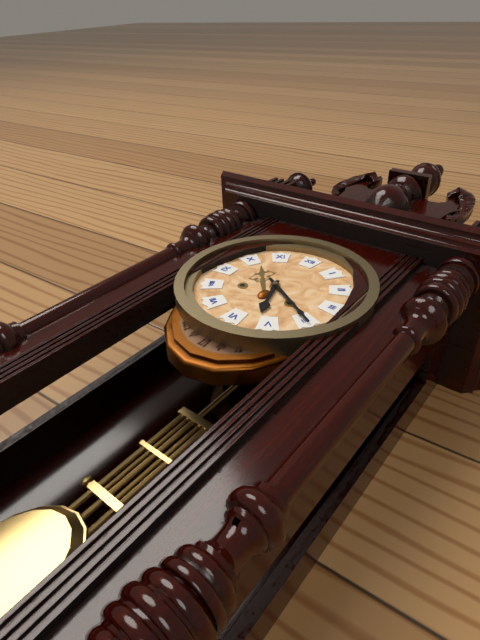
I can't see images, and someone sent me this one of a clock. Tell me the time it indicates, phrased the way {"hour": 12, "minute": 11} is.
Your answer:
{"hour": 5, "minute": 20}
